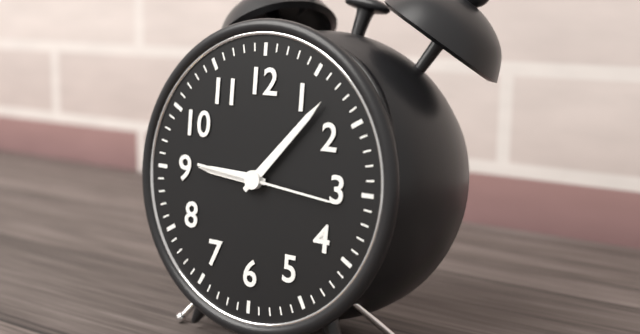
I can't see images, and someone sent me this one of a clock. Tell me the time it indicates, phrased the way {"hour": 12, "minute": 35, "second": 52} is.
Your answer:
{"hour": 9, "minute": 7, "second": 16}
